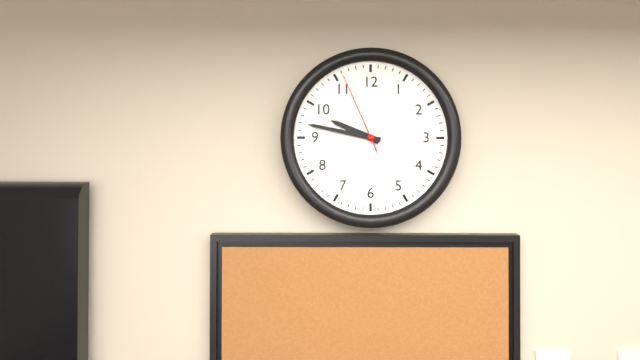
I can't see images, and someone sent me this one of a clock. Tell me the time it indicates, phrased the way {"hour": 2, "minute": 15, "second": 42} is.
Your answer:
{"hour": 9, "minute": 47, "second": 56}
